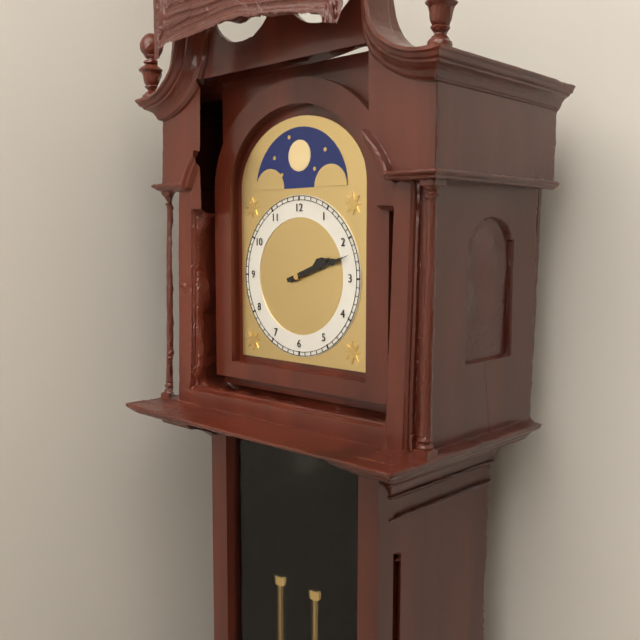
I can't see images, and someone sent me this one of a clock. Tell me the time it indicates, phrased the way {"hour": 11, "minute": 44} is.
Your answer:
{"hour": 2, "minute": 12}
